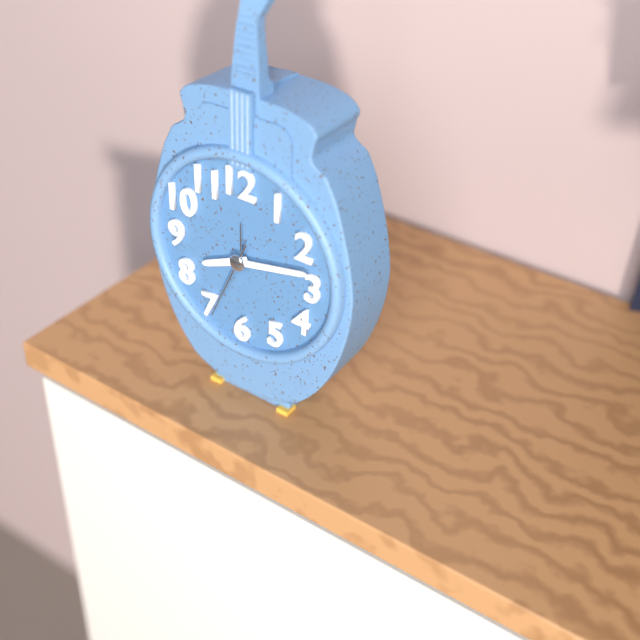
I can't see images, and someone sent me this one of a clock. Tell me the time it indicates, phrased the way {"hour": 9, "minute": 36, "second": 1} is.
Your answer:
{"hour": 8, "minute": 13, "second": 34}
